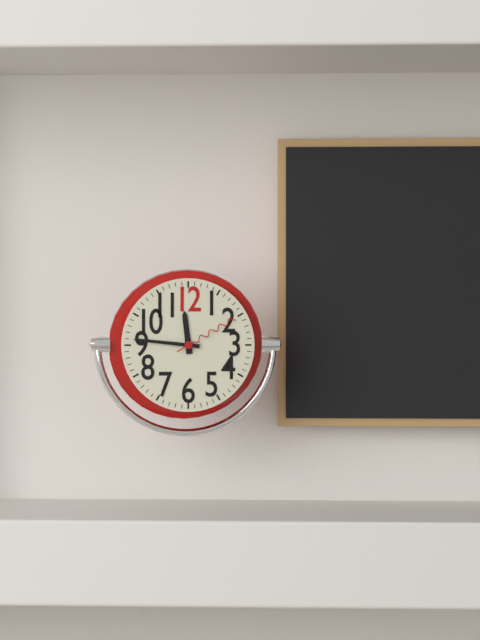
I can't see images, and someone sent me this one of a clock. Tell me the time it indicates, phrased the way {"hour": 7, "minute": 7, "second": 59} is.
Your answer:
{"hour": 11, "minute": 46, "second": 10}
